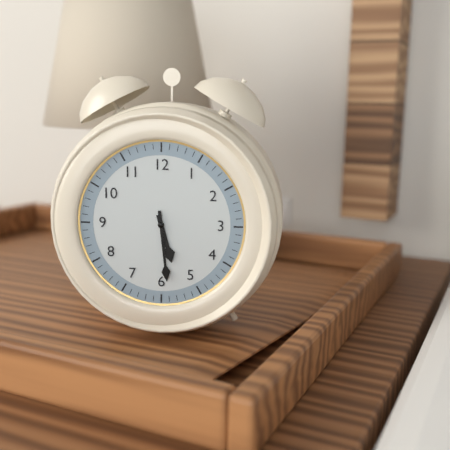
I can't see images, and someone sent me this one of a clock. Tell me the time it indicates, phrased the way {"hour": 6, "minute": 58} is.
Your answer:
{"hour": 5, "minute": 29}
